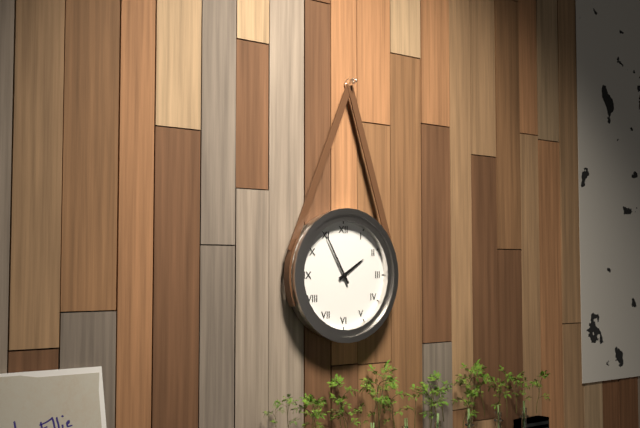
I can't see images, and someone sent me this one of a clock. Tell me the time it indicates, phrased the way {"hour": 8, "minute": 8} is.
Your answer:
{"hour": 1, "minute": 55}
